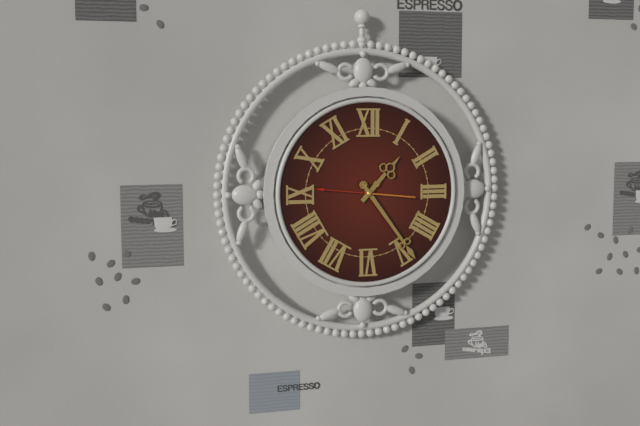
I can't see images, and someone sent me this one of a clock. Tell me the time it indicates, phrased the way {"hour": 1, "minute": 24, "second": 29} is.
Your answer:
{"hour": 1, "minute": 24, "second": 46}
